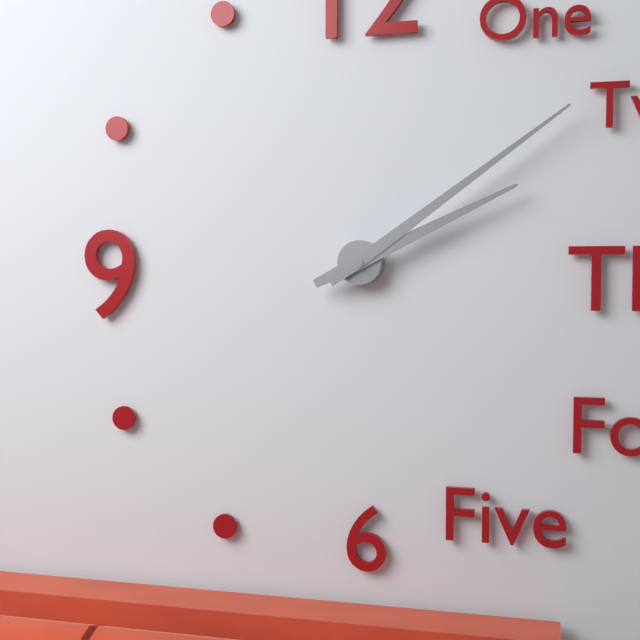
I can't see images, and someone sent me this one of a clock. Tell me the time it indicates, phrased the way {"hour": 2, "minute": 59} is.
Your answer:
{"hour": 2, "minute": 9}
